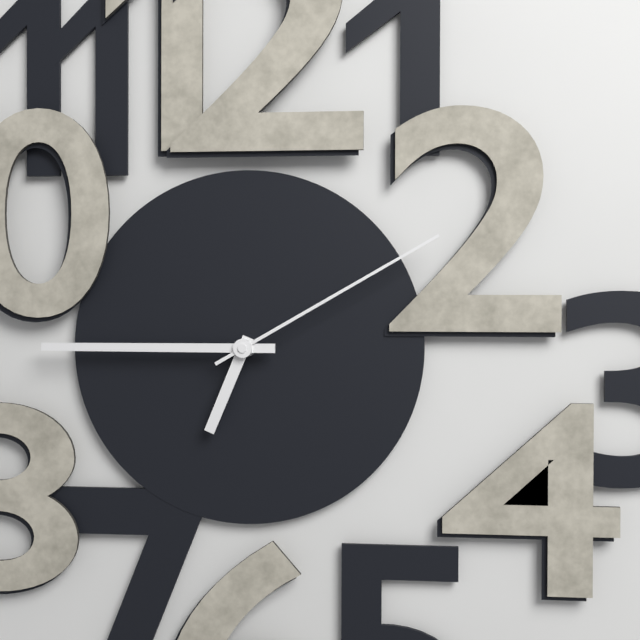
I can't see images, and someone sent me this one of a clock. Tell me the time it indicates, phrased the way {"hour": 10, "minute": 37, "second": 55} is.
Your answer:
{"hour": 6, "minute": 45, "second": 10}
